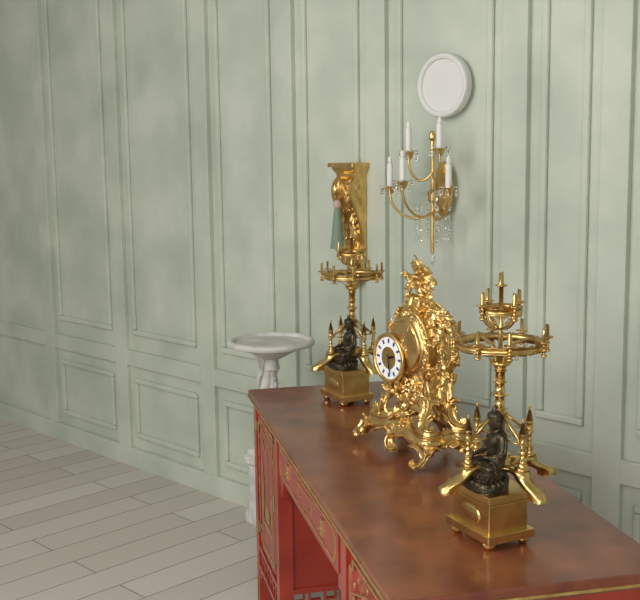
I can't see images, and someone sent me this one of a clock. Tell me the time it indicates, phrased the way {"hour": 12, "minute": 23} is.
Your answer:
{"hour": 2, "minute": 28}
